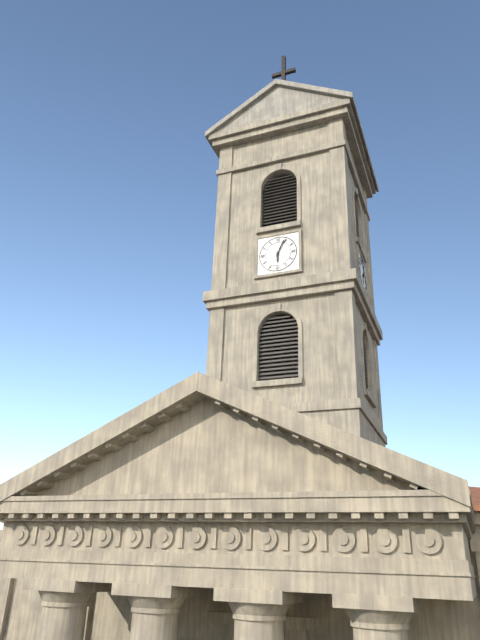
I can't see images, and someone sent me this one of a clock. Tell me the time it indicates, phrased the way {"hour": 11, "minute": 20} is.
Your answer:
{"hour": 6, "minute": 4}
